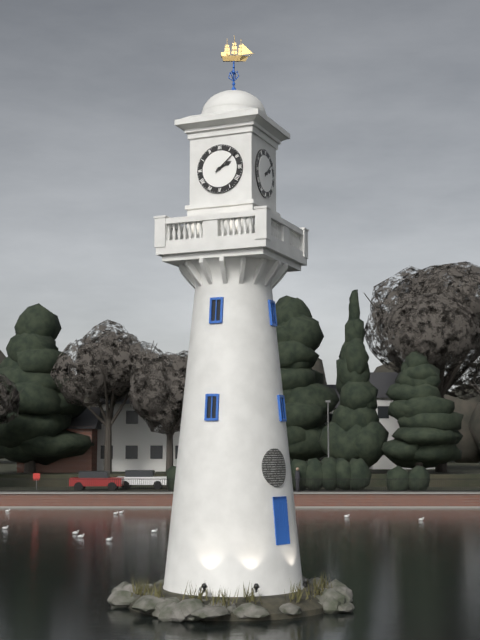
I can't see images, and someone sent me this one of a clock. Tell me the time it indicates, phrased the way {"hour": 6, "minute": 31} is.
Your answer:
{"hour": 2, "minute": 8}
